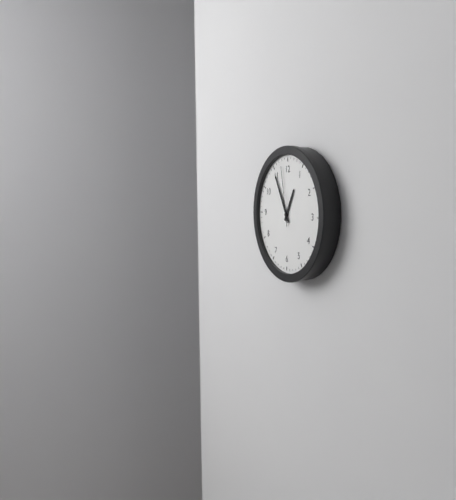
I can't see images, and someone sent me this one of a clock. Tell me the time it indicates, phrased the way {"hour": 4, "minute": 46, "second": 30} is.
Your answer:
{"hour": 12, "minute": 55, "second": 58}
